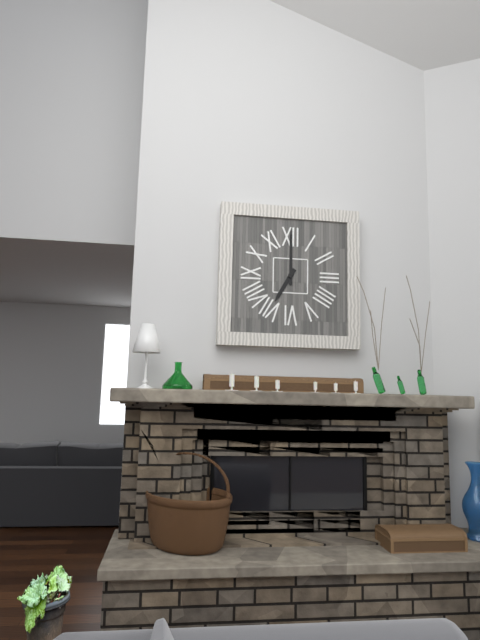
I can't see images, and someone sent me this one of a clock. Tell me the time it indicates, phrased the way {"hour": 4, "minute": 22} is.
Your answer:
{"hour": 7, "minute": 0}
